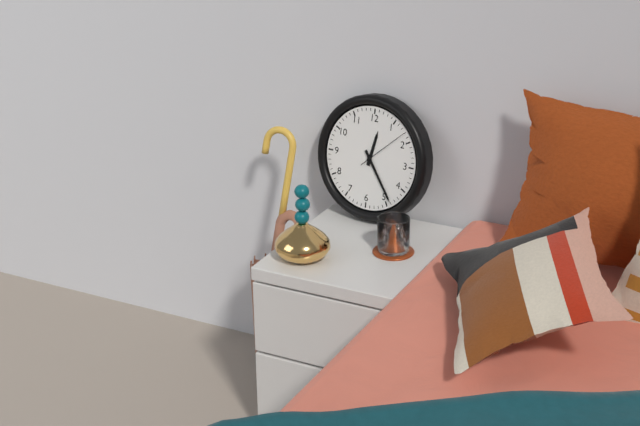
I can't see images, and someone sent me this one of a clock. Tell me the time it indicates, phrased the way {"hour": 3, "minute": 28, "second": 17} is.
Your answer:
{"hour": 12, "minute": 24, "second": 8}
